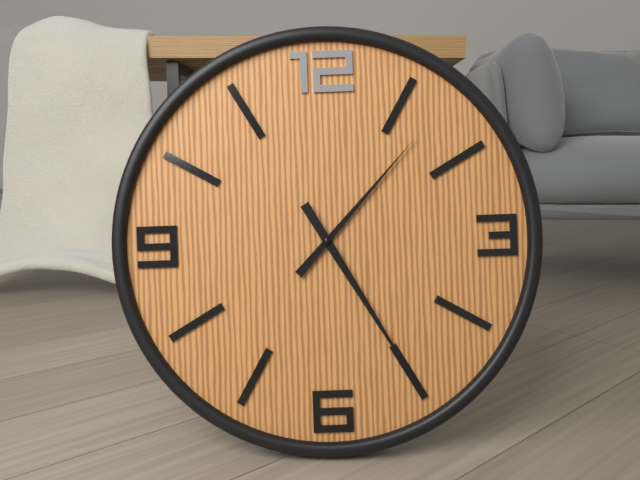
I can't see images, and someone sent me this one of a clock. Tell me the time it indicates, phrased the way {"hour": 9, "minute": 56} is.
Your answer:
{"hour": 1, "minute": 25}
